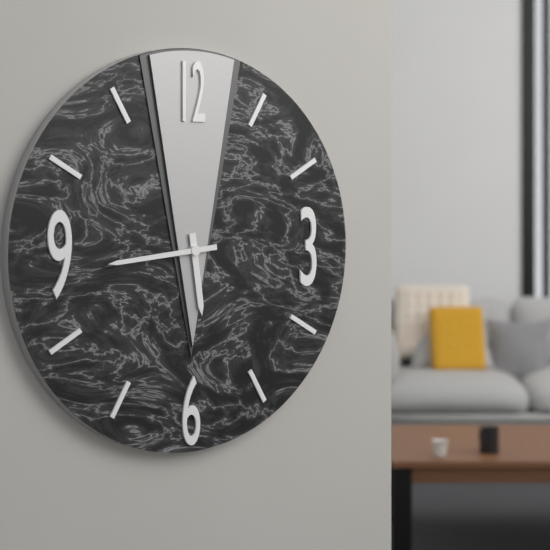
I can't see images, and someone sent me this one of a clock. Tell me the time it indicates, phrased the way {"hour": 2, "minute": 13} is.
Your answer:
{"hour": 5, "minute": 44}
